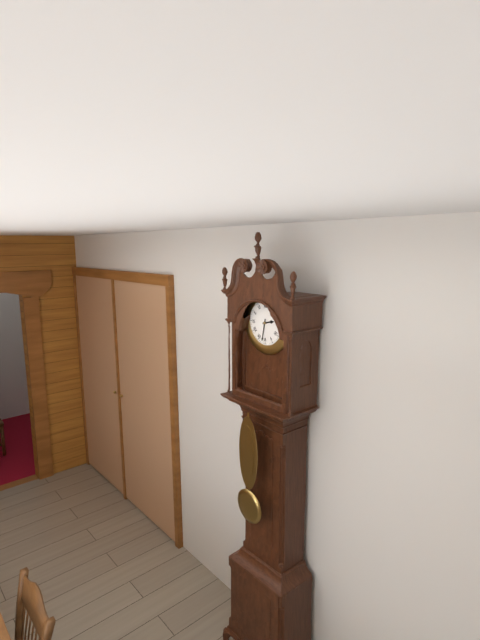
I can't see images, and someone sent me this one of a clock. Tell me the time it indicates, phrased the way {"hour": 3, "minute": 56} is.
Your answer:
{"hour": 2, "minute": 32}
